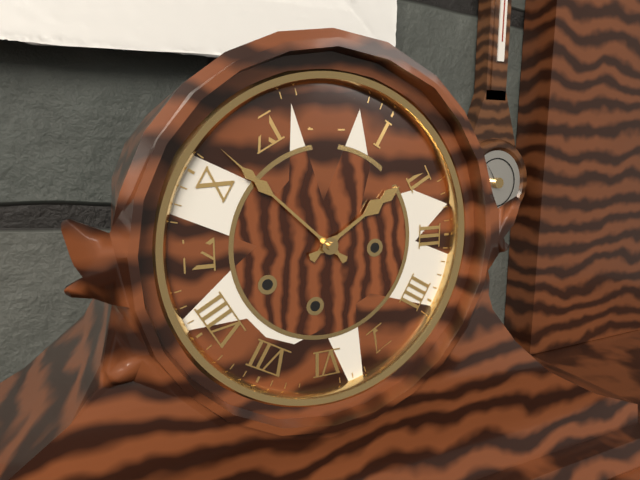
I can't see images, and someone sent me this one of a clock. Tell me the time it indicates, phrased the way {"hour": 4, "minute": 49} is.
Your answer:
{"hour": 1, "minute": 52}
